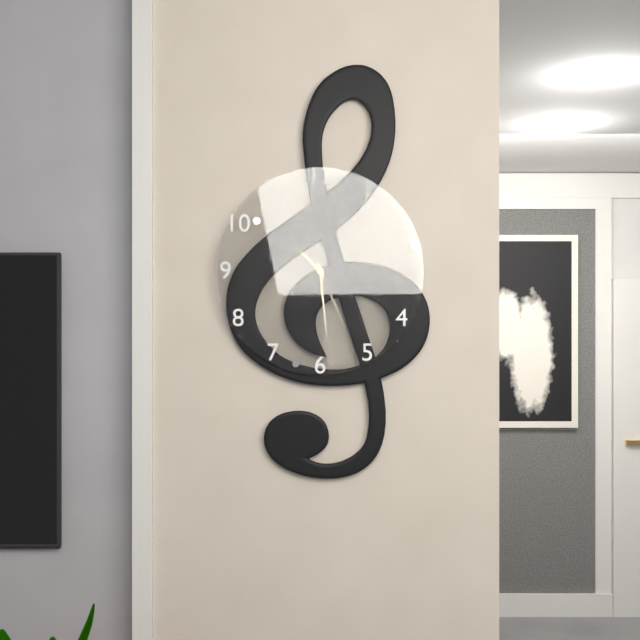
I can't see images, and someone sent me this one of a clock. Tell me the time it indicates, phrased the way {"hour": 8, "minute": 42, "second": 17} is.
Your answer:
{"hour": 10, "minute": 29, "second": 26}
